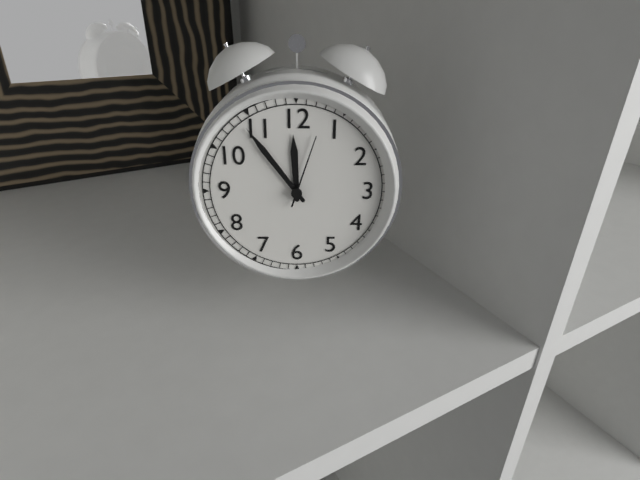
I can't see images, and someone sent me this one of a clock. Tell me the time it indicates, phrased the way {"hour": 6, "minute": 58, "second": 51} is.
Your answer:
{"hour": 11, "minute": 54, "second": 3}
